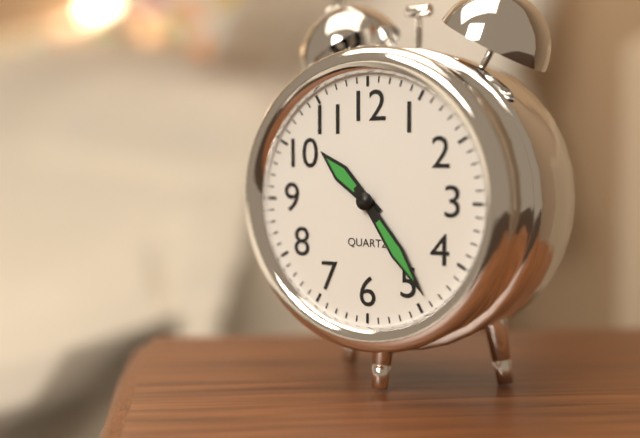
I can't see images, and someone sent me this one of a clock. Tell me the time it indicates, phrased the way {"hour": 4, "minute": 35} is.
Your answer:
{"hour": 10, "minute": 24}
